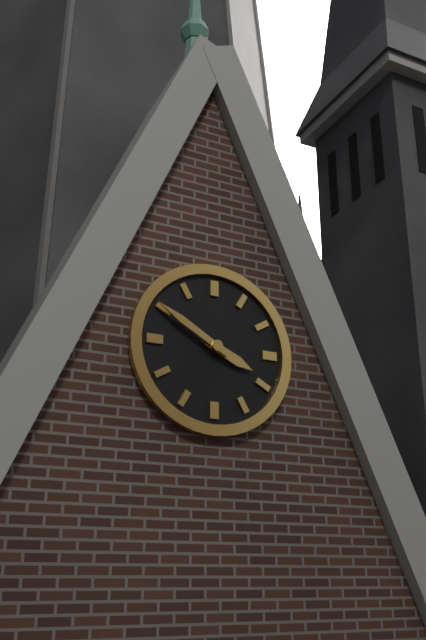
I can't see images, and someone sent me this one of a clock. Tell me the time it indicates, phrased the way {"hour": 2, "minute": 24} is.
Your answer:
{"hour": 3, "minute": 50}
